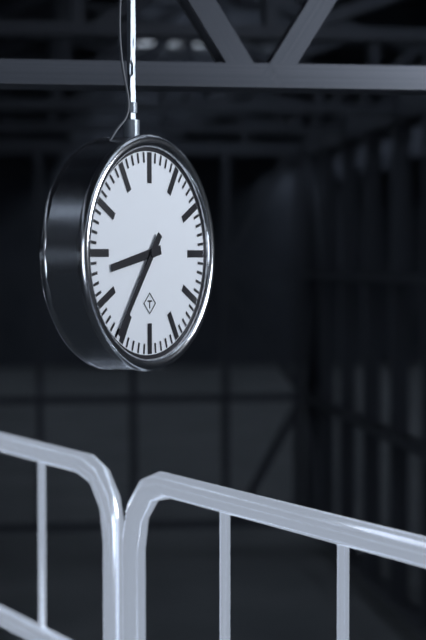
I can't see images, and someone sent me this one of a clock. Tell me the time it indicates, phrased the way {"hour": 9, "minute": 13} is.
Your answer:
{"hour": 8, "minute": 36}
